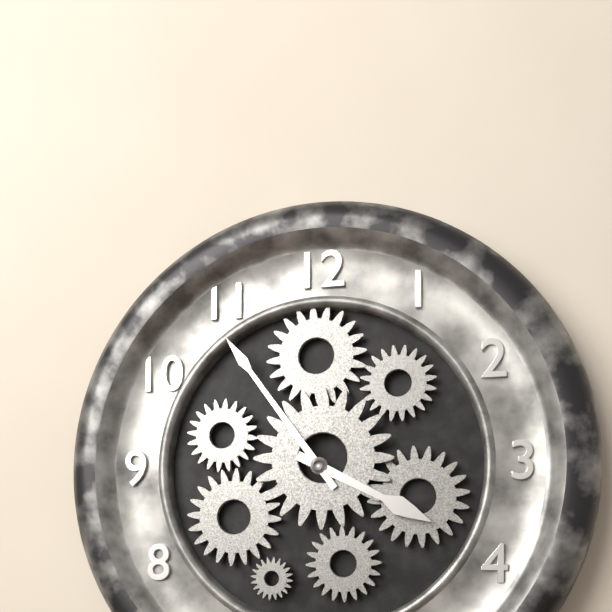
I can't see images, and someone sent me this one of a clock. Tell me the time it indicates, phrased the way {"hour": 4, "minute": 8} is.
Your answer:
{"hour": 3, "minute": 54}
